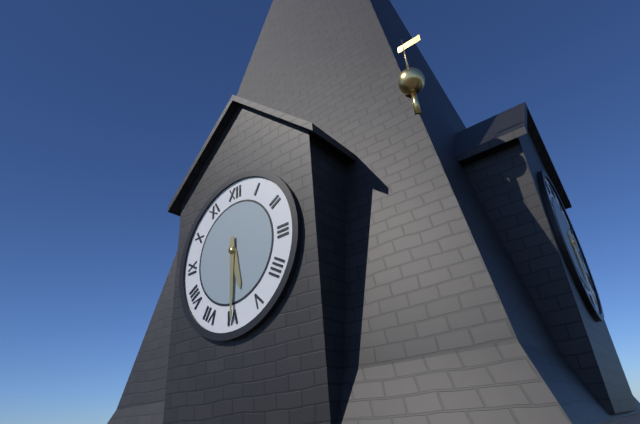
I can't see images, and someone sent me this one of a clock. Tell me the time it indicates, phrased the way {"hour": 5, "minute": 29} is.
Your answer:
{"hour": 5, "minute": 30}
